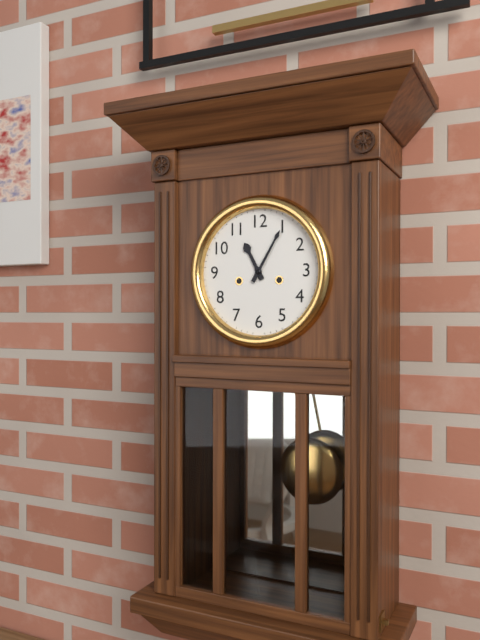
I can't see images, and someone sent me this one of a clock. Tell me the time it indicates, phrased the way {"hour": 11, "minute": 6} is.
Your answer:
{"hour": 11, "minute": 5}
